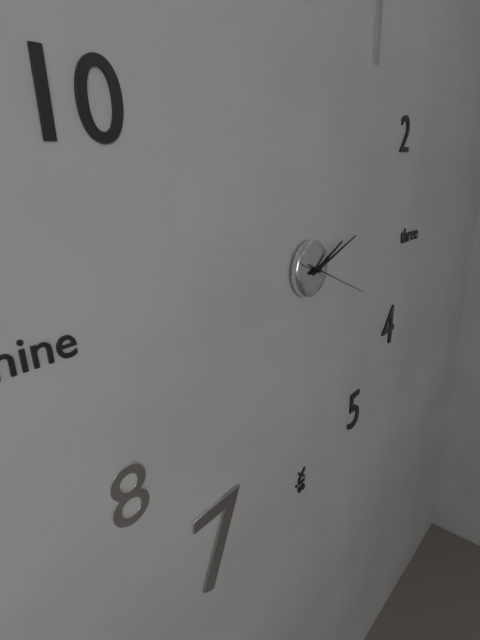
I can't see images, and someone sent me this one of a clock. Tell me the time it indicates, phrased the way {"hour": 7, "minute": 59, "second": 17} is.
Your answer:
{"hour": 2, "minute": 12, "second": 19}
